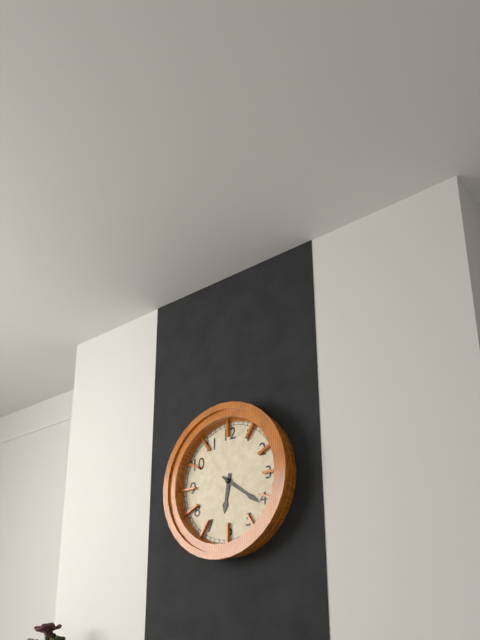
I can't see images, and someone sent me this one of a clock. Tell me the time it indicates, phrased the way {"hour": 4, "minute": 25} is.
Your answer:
{"hour": 6, "minute": 21}
